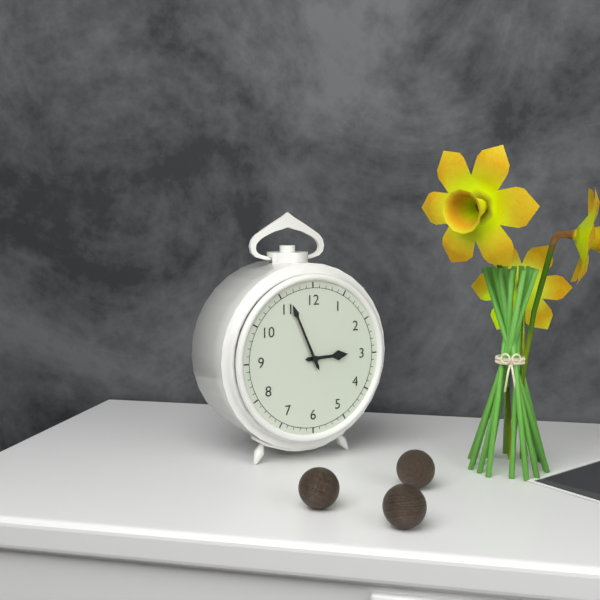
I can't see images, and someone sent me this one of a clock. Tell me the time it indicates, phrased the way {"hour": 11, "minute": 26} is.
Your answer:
{"hour": 2, "minute": 56}
